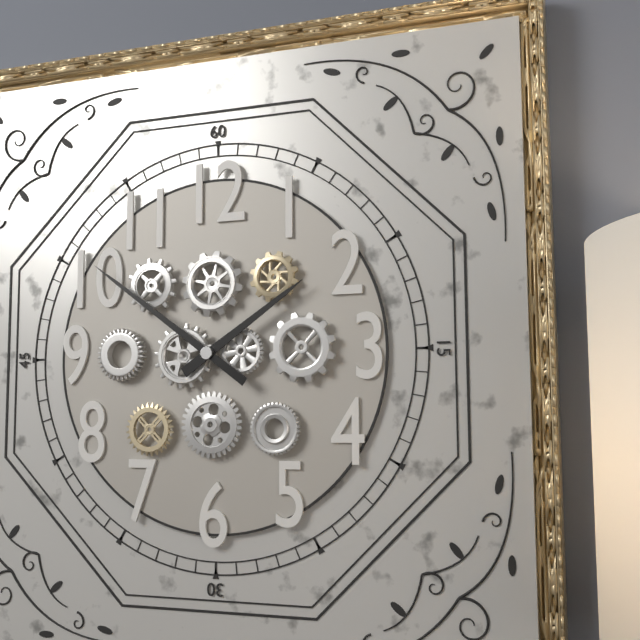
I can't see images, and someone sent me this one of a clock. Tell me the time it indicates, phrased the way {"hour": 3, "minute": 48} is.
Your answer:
{"hour": 1, "minute": 51}
